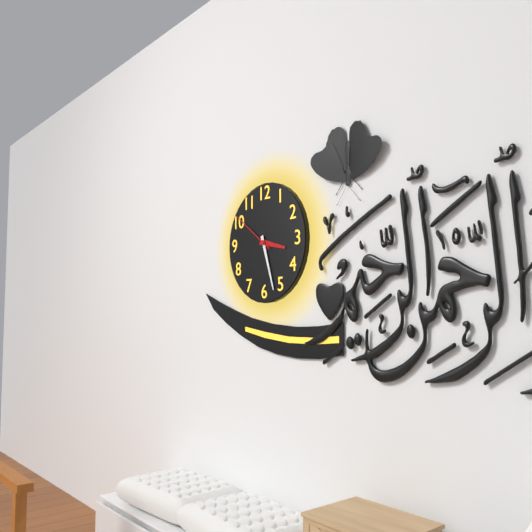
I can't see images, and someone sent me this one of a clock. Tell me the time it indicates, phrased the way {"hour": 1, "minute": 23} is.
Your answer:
{"hour": 3, "minute": 27}
